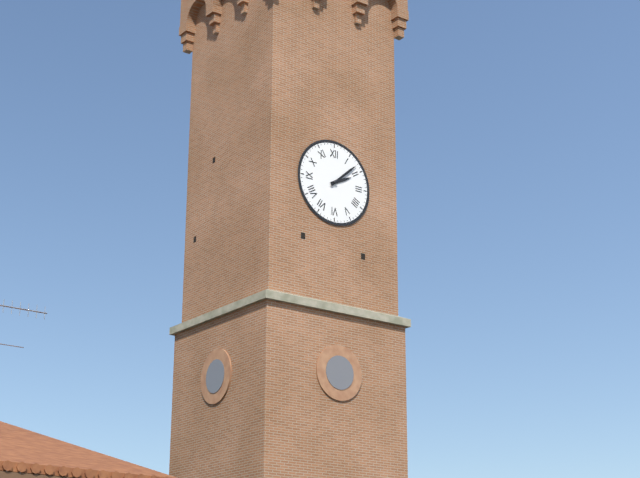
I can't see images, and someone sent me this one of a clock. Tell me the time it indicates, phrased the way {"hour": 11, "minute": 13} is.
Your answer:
{"hour": 2, "minute": 8}
